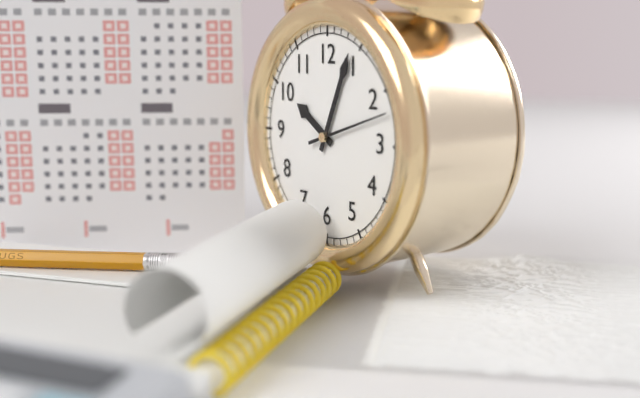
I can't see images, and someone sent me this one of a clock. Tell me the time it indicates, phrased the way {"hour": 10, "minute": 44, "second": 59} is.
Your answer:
{"hour": 10, "minute": 4, "second": 12}
